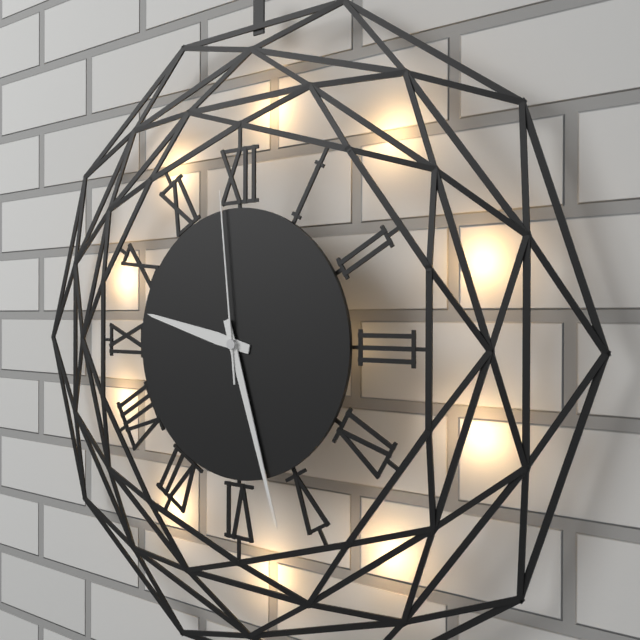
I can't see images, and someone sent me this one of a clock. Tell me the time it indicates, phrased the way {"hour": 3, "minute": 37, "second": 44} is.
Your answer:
{"hour": 9, "minute": 27, "second": 59}
